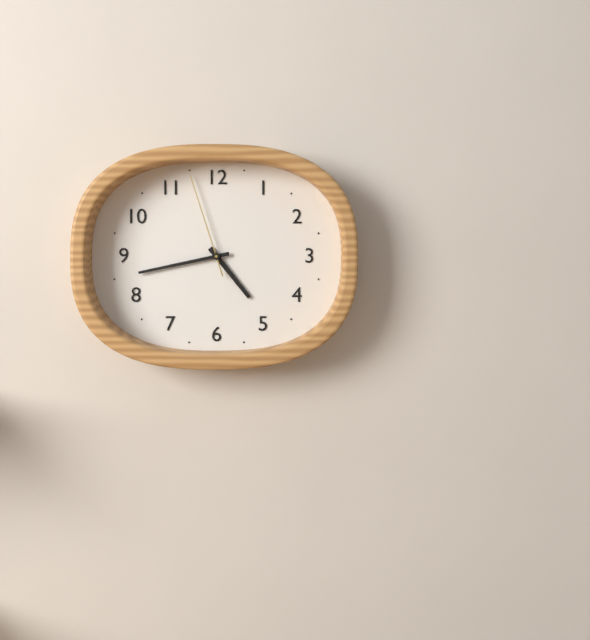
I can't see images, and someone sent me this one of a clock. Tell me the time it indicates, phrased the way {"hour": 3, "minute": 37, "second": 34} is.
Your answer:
{"hour": 4, "minute": 43, "second": 57}
